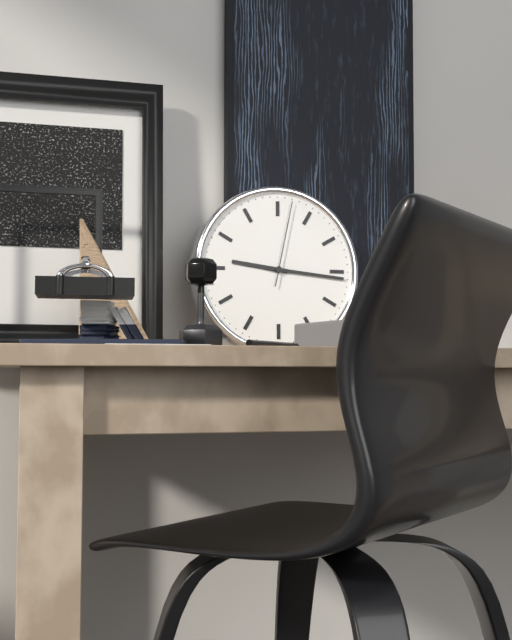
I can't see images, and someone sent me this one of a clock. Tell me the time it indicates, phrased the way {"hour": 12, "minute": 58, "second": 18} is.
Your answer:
{"hour": 9, "minute": 16, "second": 2}
